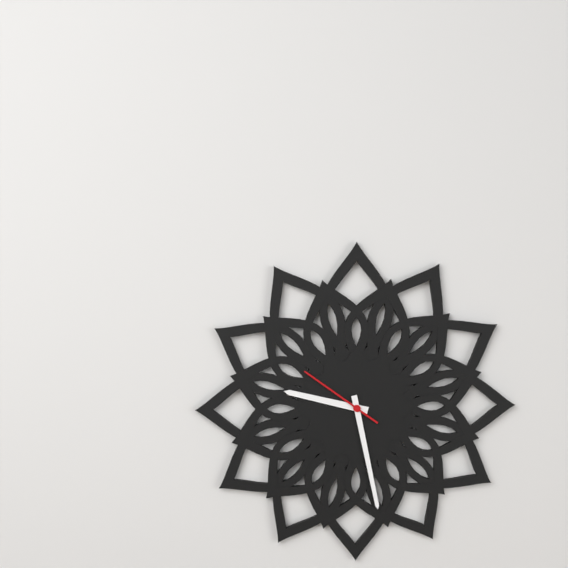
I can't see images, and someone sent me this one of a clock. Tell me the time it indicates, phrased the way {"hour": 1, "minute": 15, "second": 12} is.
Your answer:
{"hour": 9, "minute": 28, "second": 51}
